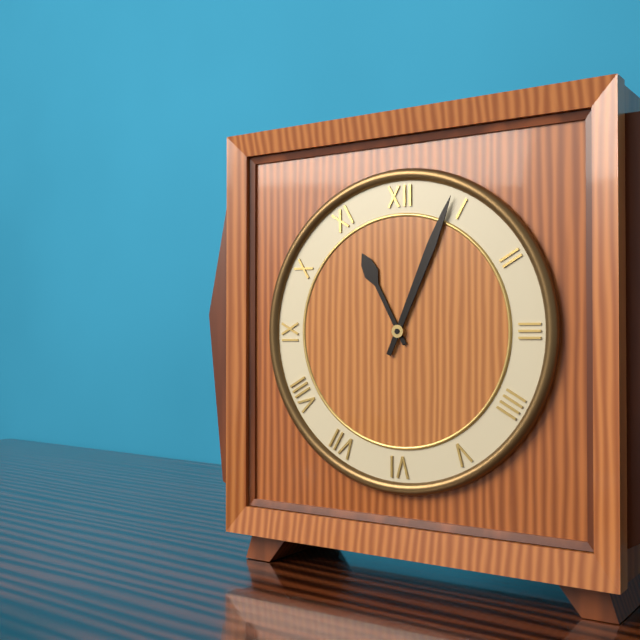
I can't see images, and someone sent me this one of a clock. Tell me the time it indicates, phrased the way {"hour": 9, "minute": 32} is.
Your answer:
{"hour": 11, "minute": 4}
